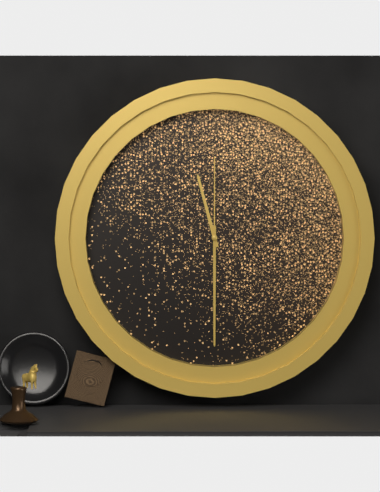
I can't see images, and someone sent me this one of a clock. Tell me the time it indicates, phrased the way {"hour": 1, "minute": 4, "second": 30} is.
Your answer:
{"hour": 11, "minute": 30, "second": 0}
